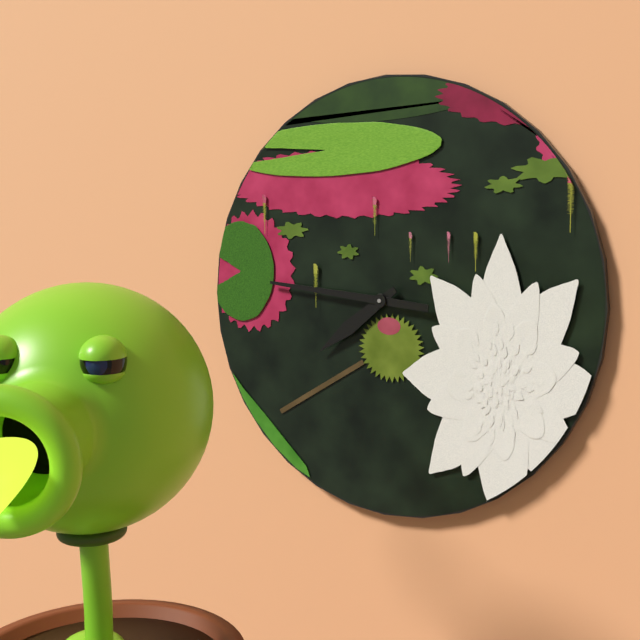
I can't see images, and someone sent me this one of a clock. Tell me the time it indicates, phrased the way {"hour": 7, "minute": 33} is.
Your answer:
{"hour": 7, "minute": 46}
